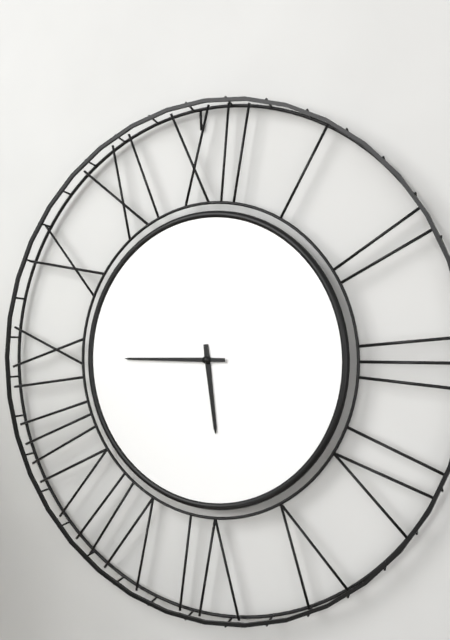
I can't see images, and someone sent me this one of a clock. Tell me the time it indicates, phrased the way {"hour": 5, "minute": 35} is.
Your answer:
{"hour": 5, "minute": 45}
